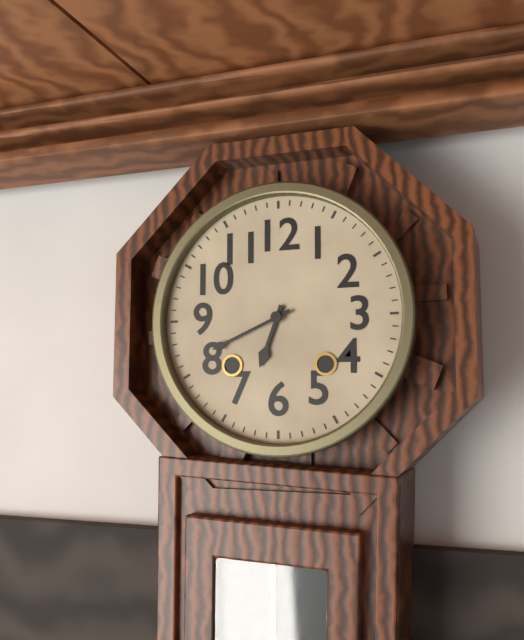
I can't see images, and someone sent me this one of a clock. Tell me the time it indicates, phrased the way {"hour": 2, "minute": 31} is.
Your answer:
{"hour": 6, "minute": 41}
